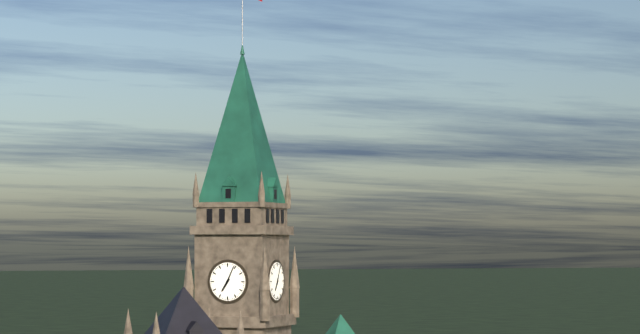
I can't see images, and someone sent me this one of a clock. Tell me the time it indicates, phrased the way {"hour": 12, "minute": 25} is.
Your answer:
{"hour": 7, "minute": 4}
